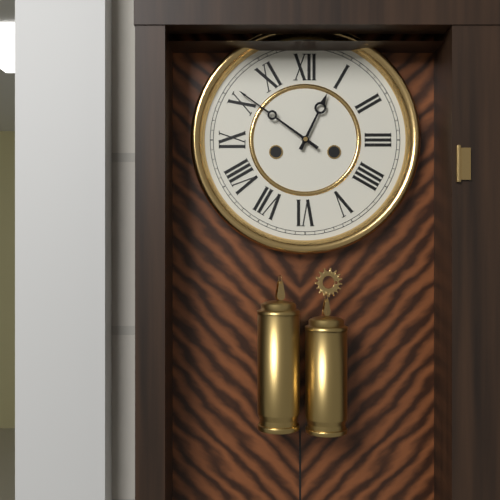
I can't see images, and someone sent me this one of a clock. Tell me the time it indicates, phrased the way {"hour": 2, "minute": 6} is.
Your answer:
{"hour": 12, "minute": 51}
